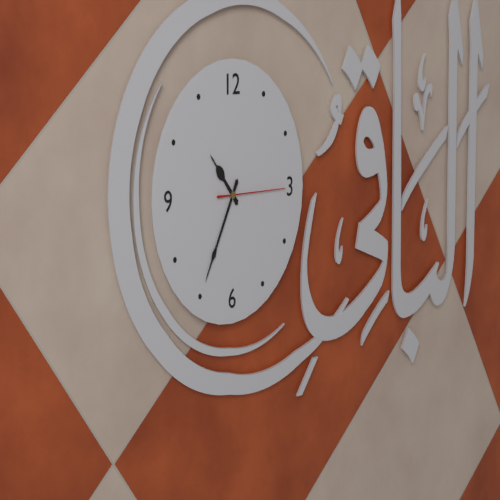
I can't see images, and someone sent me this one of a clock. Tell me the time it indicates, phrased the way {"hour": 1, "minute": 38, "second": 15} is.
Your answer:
{"hour": 10, "minute": 35, "second": 15}
